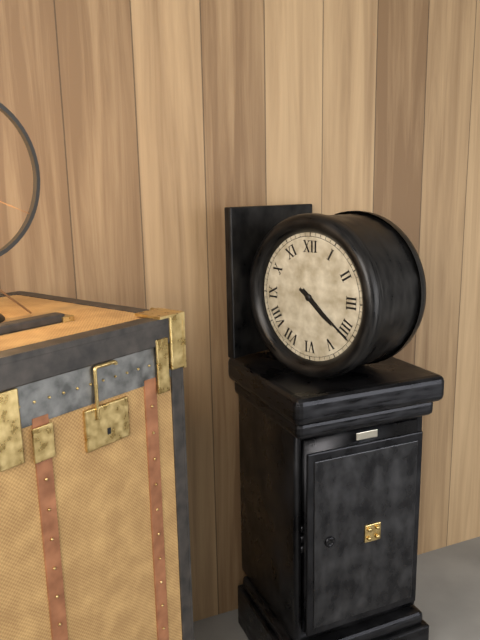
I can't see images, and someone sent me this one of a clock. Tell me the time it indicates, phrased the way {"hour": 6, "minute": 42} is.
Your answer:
{"hour": 4, "minute": 21}
